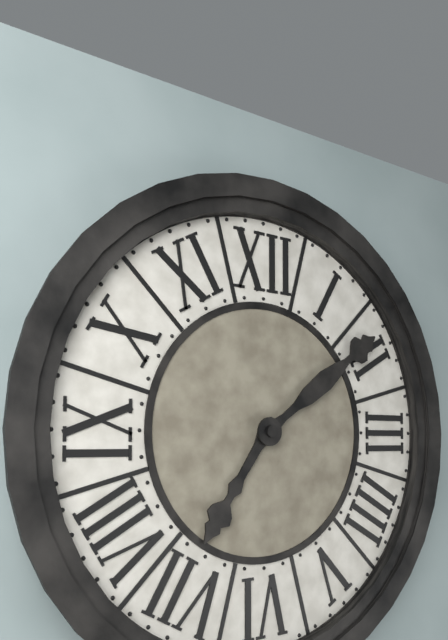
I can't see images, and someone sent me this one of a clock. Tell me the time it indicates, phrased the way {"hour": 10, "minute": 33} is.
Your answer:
{"hour": 7, "minute": 9}
